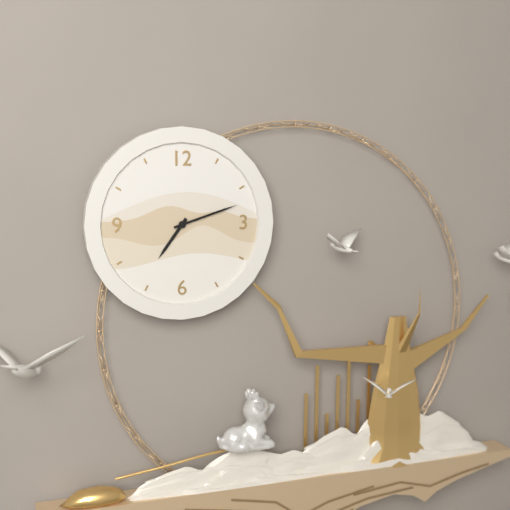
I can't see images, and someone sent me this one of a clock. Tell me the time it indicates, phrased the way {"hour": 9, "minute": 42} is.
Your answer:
{"hour": 7, "minute": 12}
